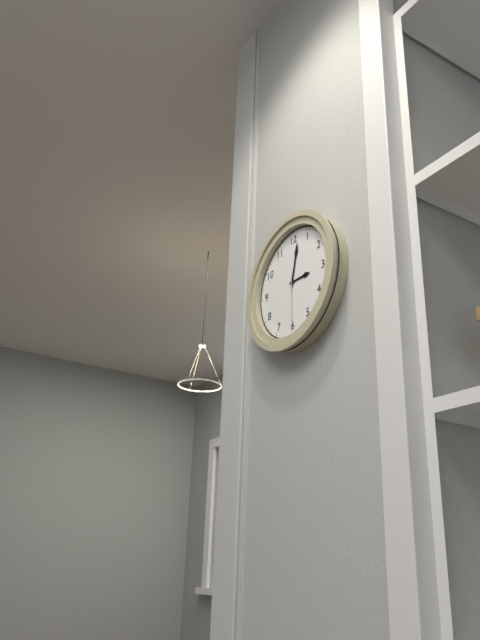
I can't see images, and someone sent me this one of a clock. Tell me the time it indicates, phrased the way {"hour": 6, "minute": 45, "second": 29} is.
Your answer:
{"hour": 3, "minute": 2, "second": 30}
